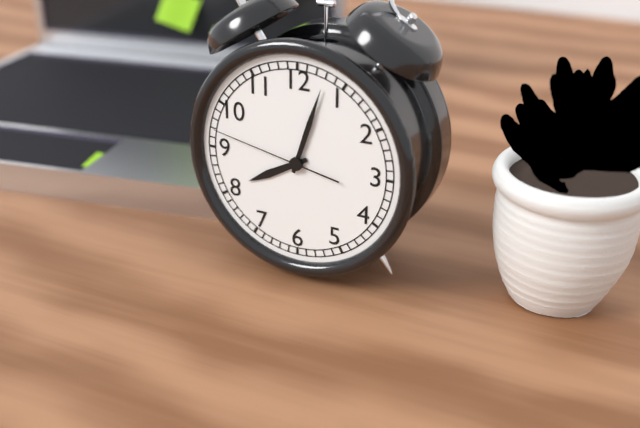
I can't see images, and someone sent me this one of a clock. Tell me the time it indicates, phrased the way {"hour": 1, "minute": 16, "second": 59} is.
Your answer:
{"hour": 8, "minute": 3, "second": 47}
